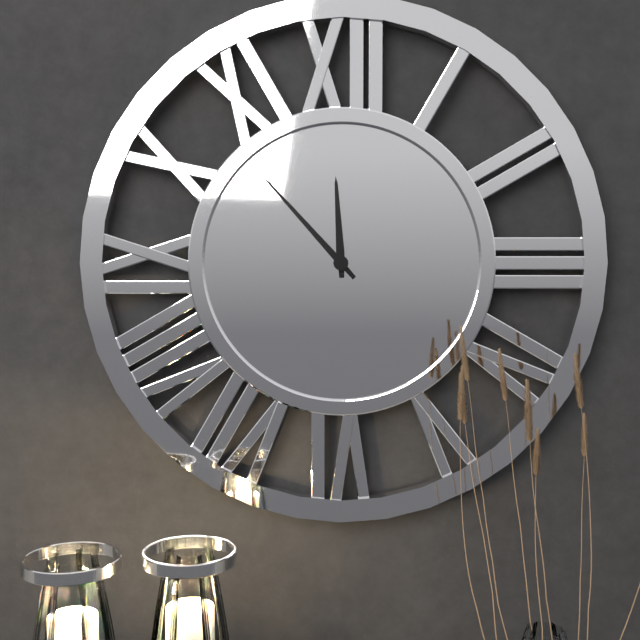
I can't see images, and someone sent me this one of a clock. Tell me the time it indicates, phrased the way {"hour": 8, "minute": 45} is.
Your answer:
{"hour": 11, "minute": 53}
